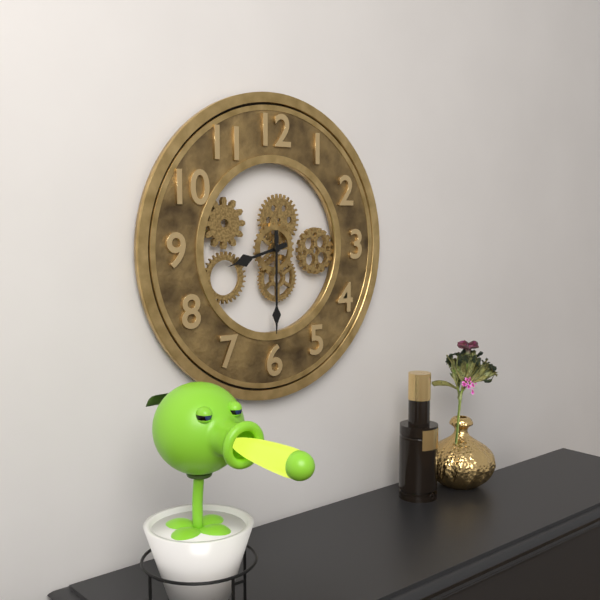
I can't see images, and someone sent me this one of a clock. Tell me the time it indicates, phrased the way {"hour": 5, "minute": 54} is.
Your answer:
{"hour": 8, "minute": 30}
